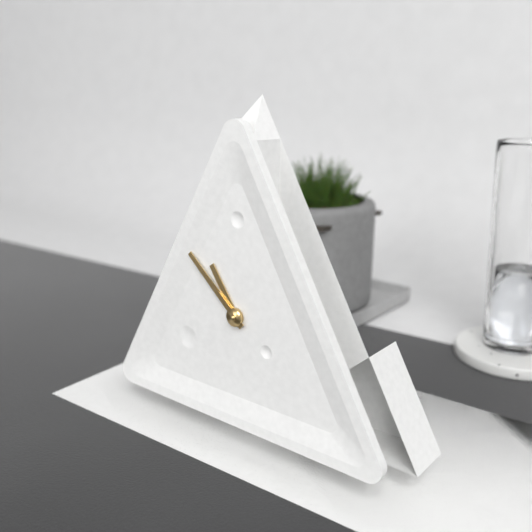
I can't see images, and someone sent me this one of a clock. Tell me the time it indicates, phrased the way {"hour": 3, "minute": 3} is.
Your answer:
{"hour": 10, "minute": 52}
